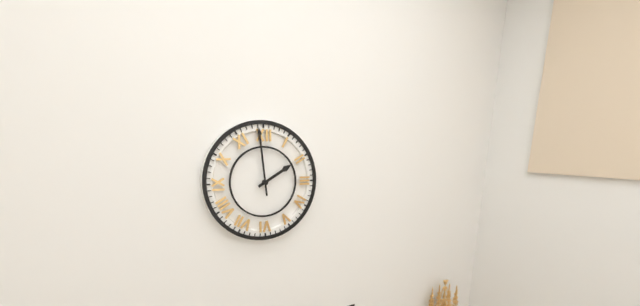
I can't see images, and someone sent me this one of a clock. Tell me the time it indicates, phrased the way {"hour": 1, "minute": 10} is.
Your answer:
{"hour": 1, "minute": 59}
